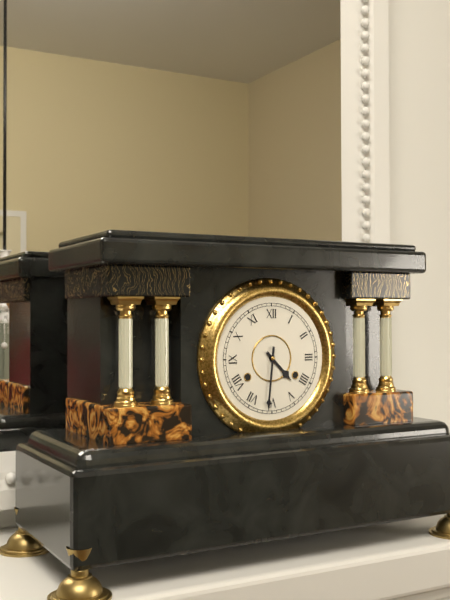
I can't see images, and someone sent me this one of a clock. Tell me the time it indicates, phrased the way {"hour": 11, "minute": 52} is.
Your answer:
{"hour": 4, "minute": 31}
